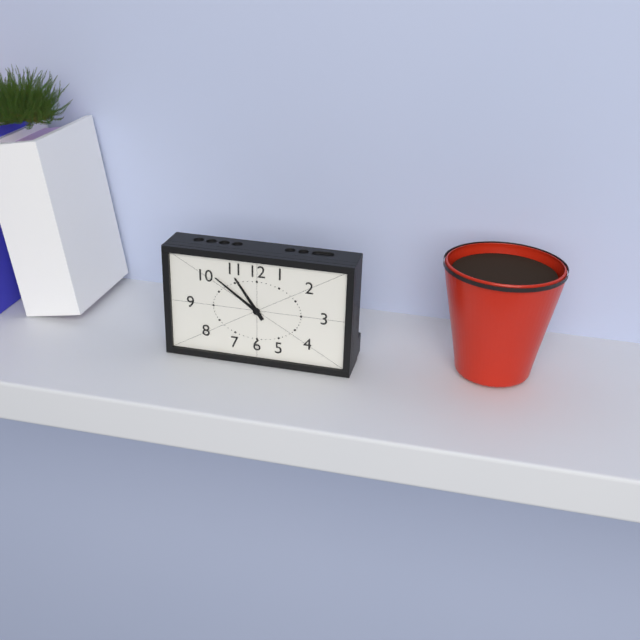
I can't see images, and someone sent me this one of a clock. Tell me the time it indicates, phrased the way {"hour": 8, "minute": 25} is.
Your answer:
{"hour": 10, "minute": 51}
